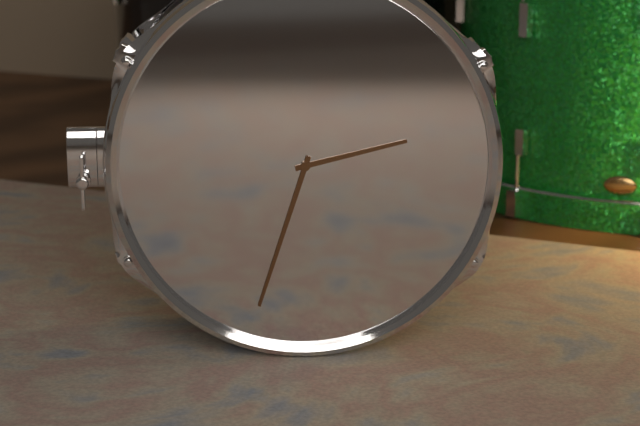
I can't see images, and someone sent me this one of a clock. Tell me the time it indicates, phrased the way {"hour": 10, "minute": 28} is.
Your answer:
{"hour": 2, "minute": 33}
